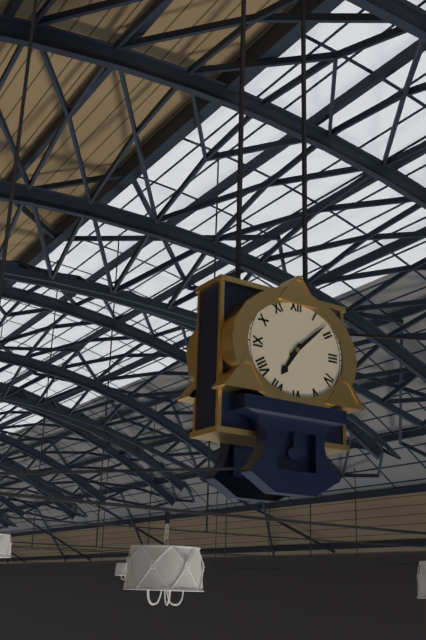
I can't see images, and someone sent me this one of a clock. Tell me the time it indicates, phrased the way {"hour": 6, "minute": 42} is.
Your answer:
{"hour": 7, "minute": 8}
